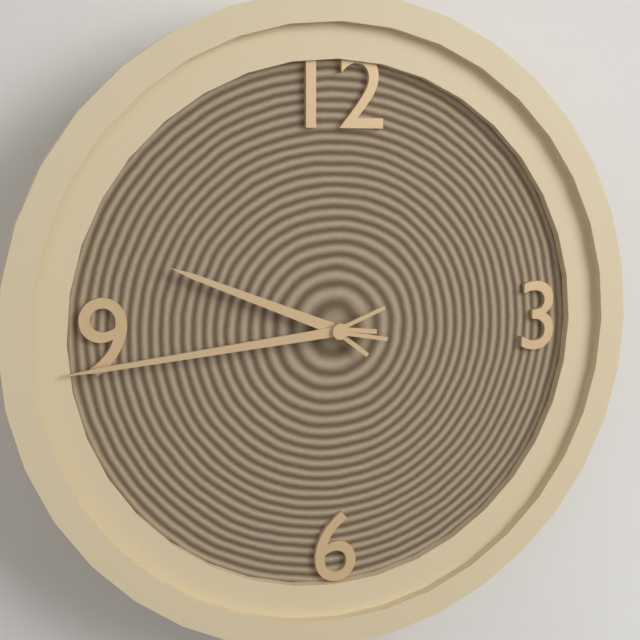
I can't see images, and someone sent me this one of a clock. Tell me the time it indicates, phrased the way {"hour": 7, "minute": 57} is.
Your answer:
{"hour": 9, "minute": 44}
